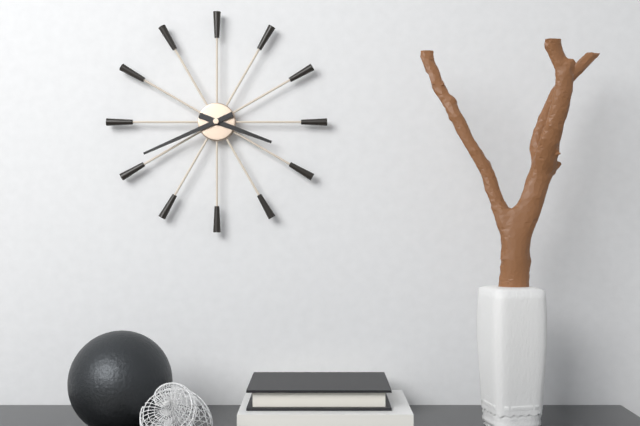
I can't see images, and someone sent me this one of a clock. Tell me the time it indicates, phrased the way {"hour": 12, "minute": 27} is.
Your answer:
{"hour": 3, "minute": 41}
